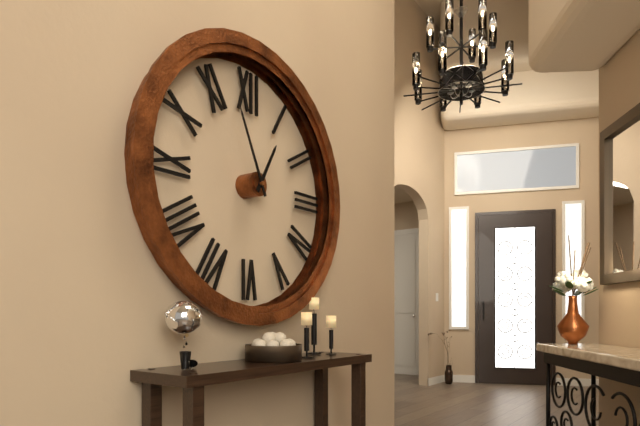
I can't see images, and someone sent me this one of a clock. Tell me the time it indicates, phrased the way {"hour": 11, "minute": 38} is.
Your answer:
{"hour": 12, "minute": 56}
